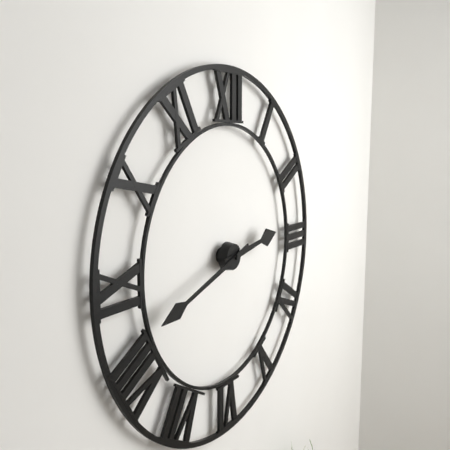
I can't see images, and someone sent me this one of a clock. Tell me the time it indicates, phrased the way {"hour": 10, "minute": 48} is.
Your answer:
{"hour": 2, "minute": 42}
